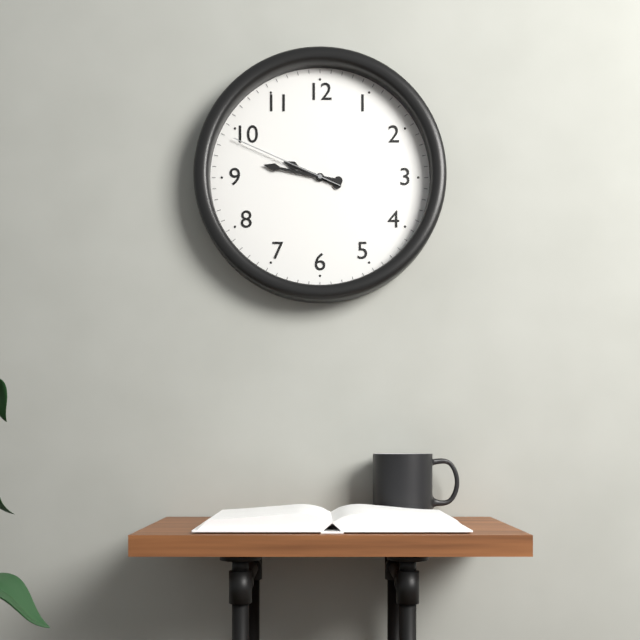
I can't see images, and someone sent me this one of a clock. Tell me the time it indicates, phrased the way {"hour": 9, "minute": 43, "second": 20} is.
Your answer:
{"hour": 9, "minute": 47, "second": 49}
